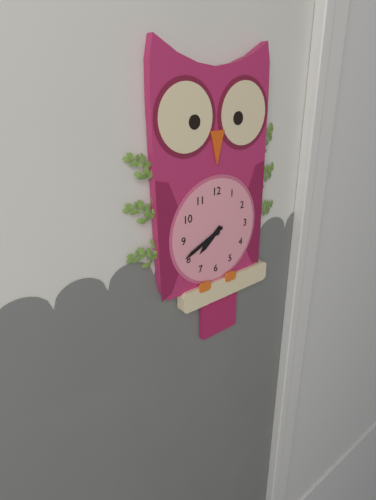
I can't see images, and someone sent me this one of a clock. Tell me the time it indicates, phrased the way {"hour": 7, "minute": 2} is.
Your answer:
{"hour": 7, "minute": 41}
